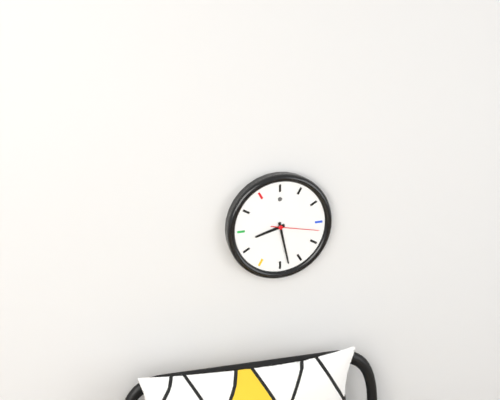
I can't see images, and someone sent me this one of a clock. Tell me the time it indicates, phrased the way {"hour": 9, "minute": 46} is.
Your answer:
{"hour": 8, "minute": 28}
